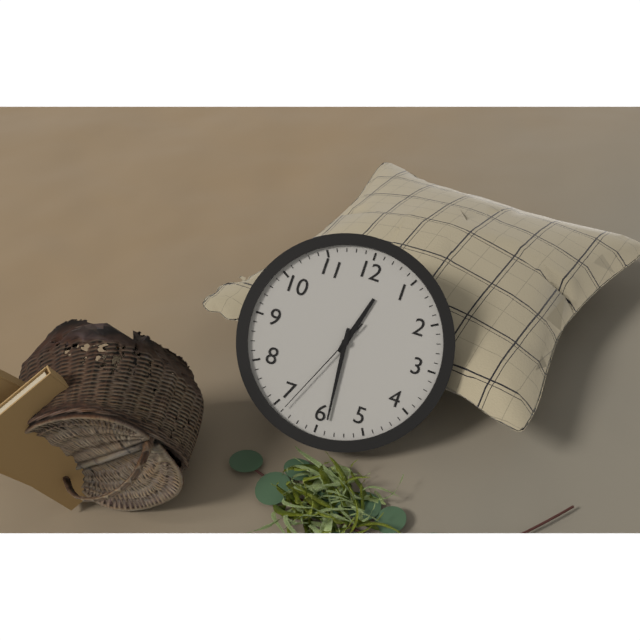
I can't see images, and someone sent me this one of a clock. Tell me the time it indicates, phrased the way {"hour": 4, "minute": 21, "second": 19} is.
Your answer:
{"hour": 12, "minute": 29, "second": 34}
